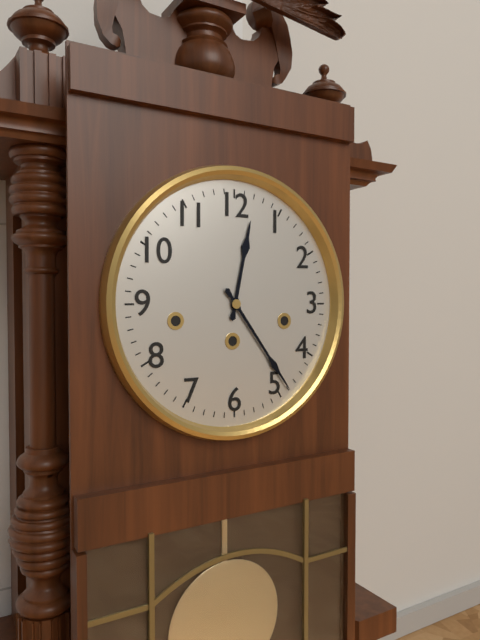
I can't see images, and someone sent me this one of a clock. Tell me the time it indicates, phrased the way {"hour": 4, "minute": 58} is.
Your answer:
{"hour": 12, "minute": 24}
